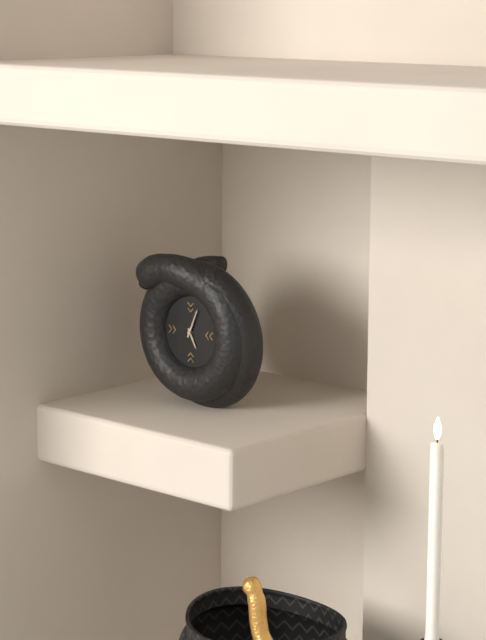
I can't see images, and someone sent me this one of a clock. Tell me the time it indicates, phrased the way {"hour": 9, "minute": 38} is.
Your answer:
{"hour": 5, "minute": 4}
